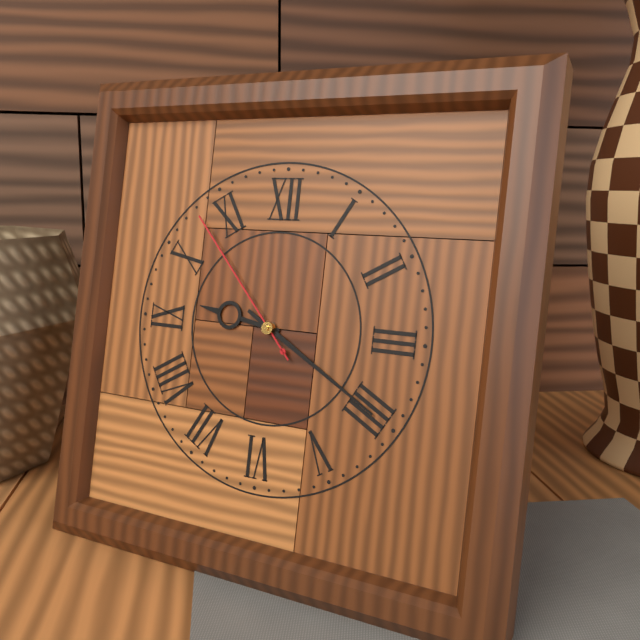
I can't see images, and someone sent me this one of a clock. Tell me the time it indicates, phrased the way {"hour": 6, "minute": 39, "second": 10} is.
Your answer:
{"hour": 9, "minute": 20, "second": 53}
